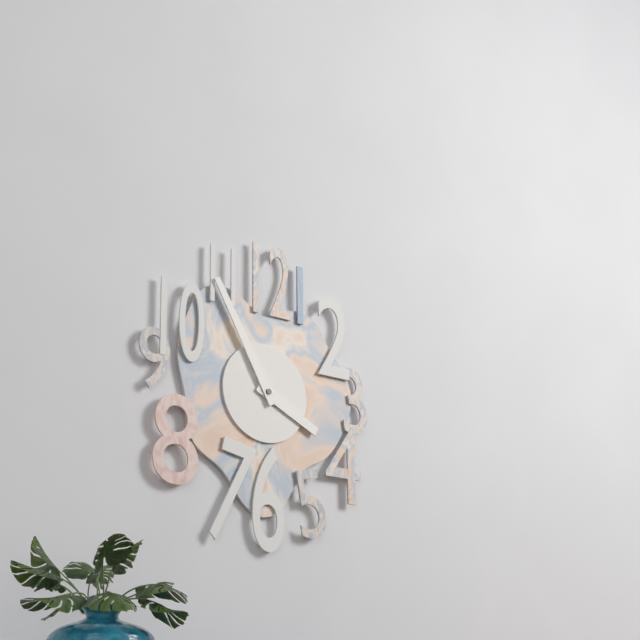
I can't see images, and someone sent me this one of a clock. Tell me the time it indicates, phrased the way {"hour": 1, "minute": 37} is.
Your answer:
{"hour": 3, "minute": 55}
